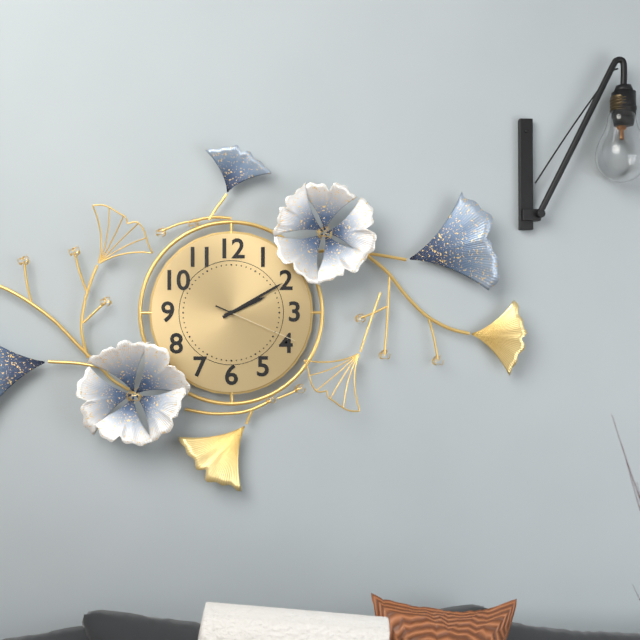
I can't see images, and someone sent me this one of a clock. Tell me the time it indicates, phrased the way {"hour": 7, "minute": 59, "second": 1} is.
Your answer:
{"hour": 2, "minute": 10, "second": 19}
